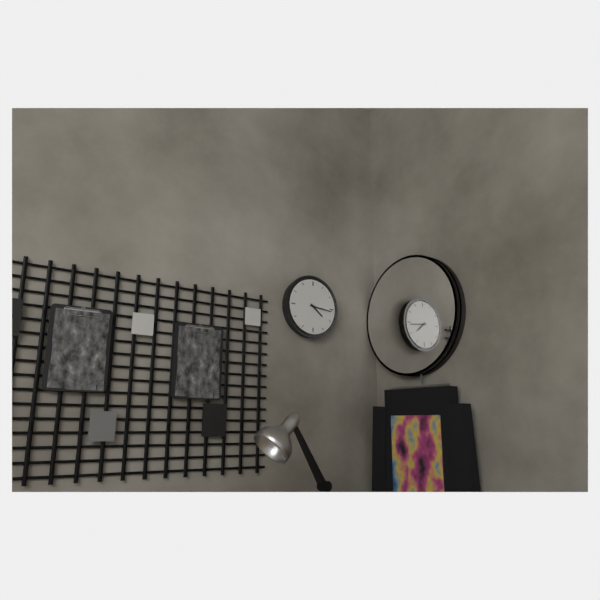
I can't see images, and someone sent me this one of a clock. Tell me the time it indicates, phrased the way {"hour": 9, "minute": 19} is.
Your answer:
{"hour": 4, "minute": 16}
